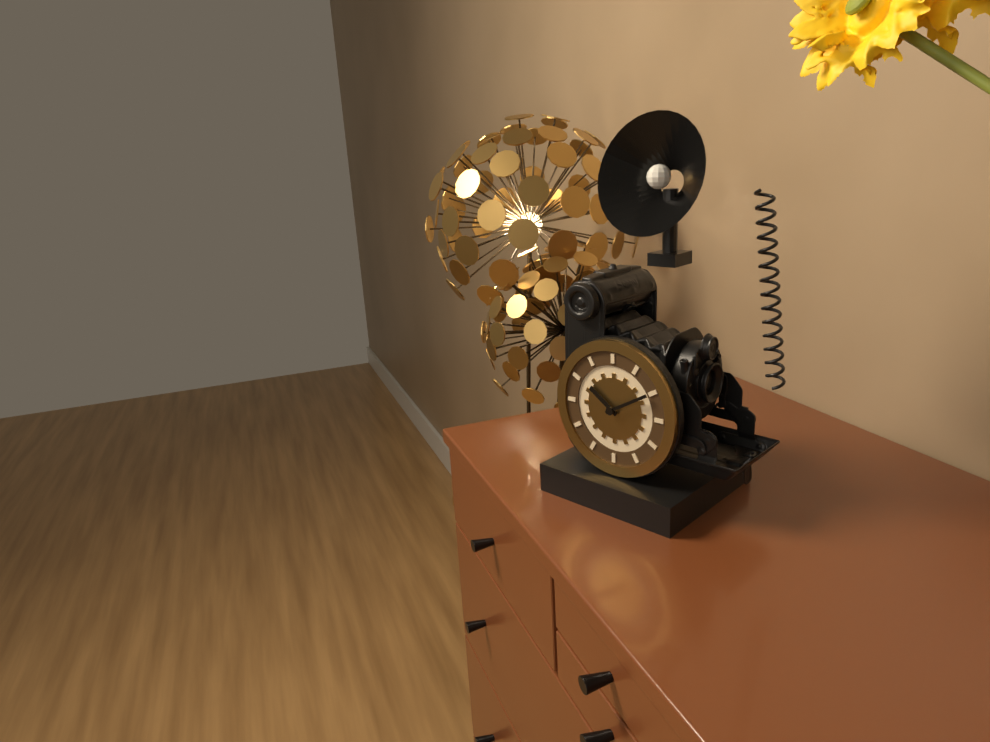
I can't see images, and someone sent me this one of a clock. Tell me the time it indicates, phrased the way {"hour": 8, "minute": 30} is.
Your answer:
{"hour": 10, "minute": 10}
